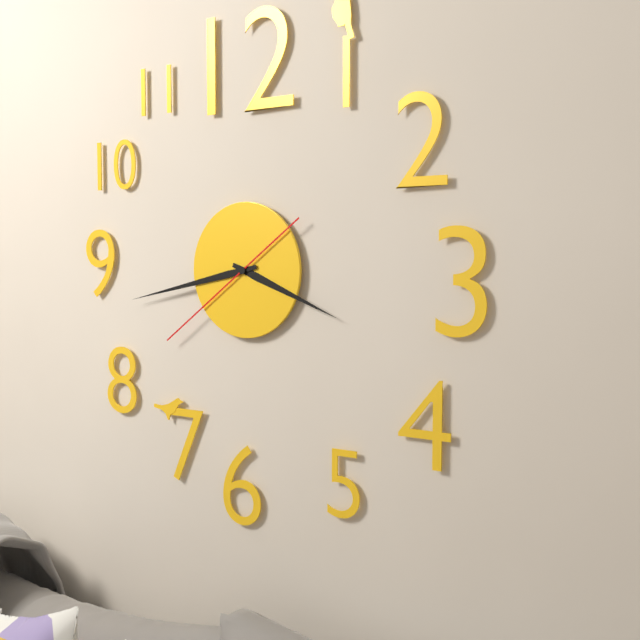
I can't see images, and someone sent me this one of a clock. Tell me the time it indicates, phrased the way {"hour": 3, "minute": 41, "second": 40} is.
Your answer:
{"hour": 3, "minute": 43, "second": 39}
